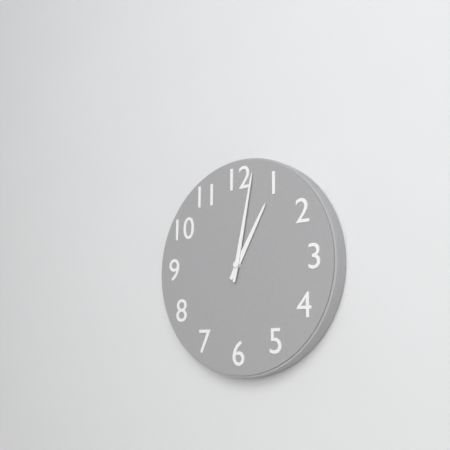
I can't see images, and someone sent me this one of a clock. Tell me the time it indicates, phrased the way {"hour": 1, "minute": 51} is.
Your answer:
{"hour": 1, "minute": 2}
